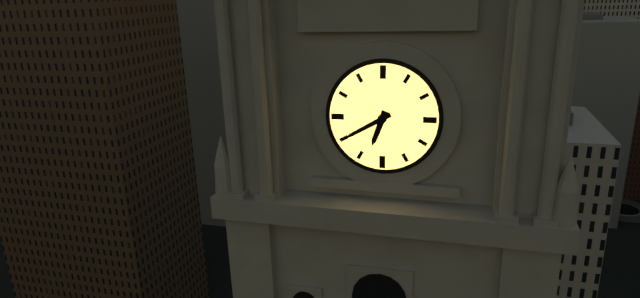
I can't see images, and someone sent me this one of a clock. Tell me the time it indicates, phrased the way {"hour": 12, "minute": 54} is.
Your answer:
{"hour": 6, "minute": 40}
